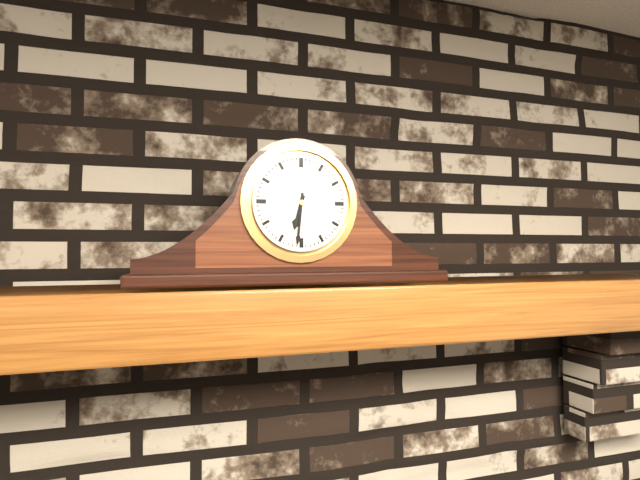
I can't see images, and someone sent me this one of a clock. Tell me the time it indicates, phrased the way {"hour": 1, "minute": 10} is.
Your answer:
{"hour": 6, "minute": 31}
